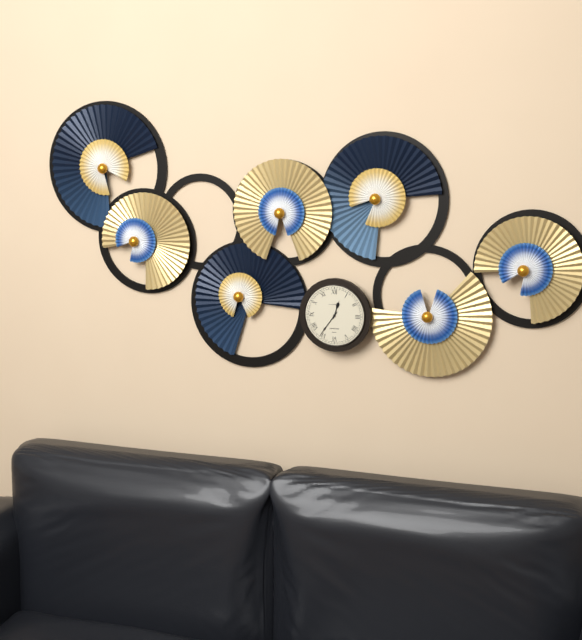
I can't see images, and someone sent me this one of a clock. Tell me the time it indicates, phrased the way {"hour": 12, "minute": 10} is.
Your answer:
{"hour": 12, "minute": 36}
